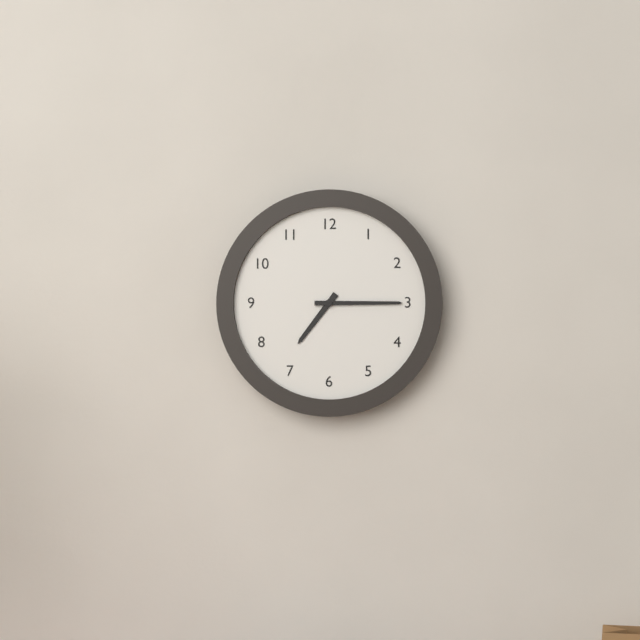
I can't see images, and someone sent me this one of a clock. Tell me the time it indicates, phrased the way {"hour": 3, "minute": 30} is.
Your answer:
{"hour": 7, "minute": 15}
